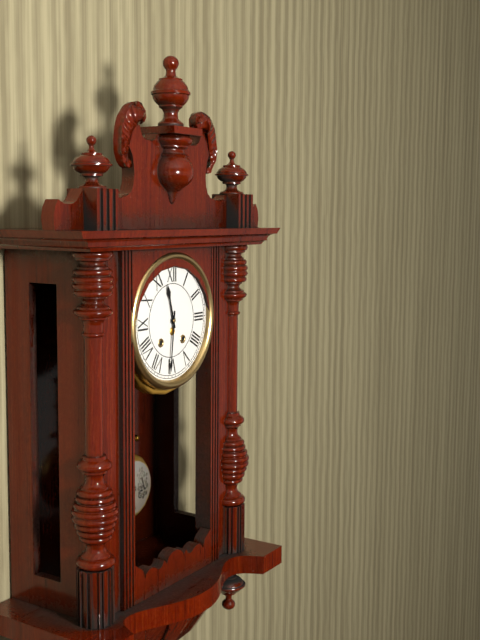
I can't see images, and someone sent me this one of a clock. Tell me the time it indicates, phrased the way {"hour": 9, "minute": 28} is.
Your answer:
{"hour": 11, "minute": 31}
